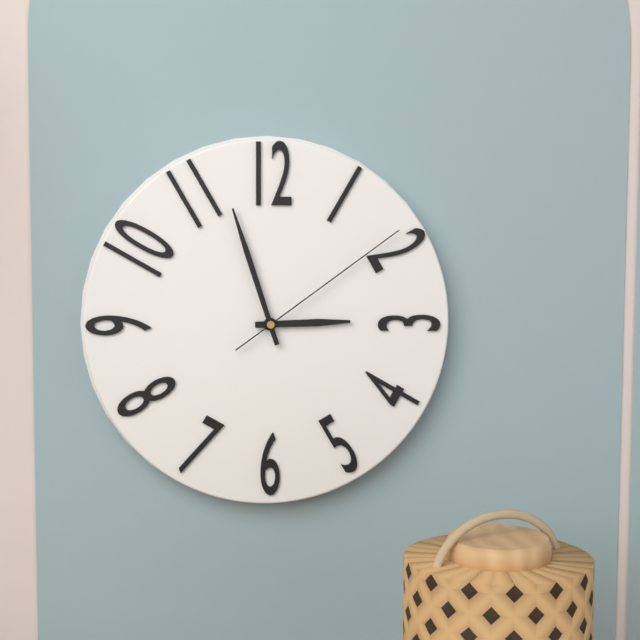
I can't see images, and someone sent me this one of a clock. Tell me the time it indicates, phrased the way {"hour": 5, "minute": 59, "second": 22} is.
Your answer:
{"hour": 2, "minute": 57, "second": 9}
